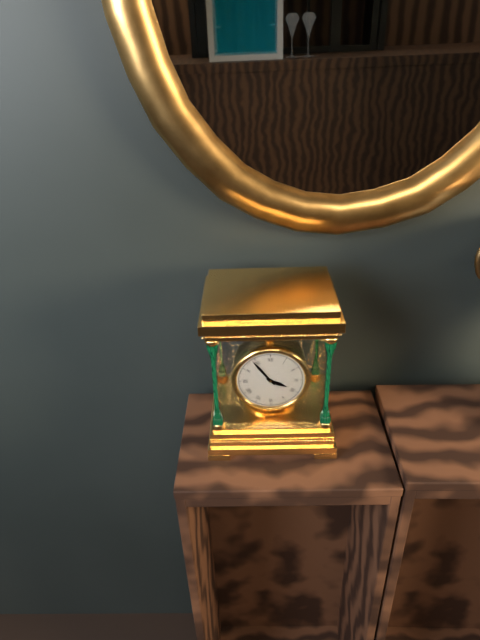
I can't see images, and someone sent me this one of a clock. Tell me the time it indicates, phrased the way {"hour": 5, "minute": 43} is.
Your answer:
{"hour": 3, "minute": 54}
